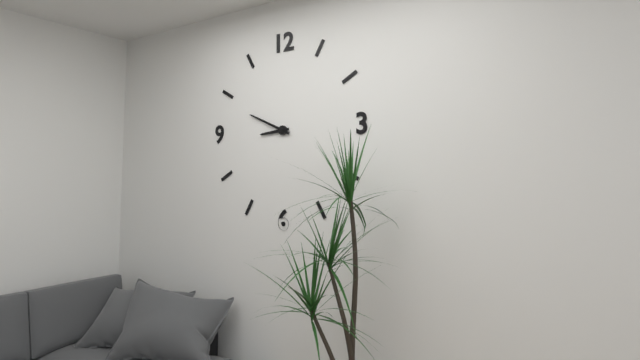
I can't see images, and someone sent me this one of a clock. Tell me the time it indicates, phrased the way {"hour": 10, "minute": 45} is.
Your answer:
{"hour": 8, "minute": 49}
